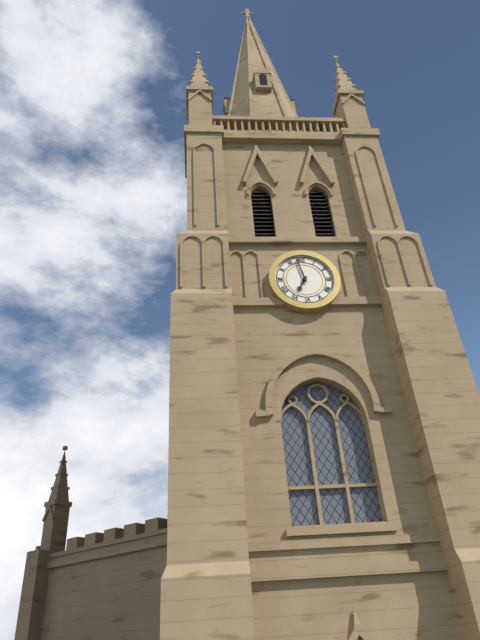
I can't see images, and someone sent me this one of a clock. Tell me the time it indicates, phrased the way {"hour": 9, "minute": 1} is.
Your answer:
{"hour": 6, "minute": 58}
